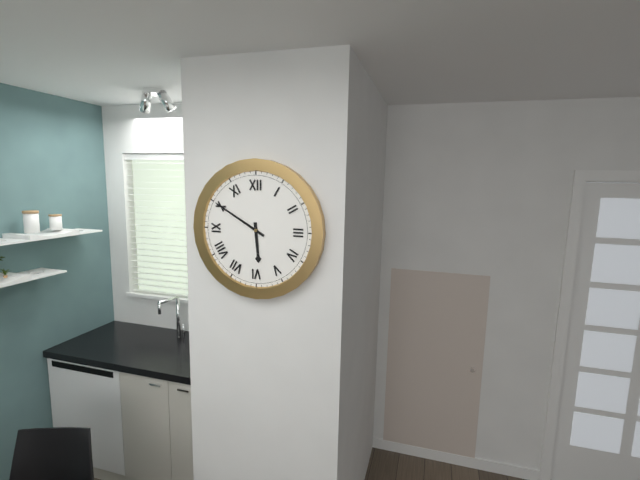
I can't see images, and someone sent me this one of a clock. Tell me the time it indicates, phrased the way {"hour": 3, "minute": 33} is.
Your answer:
{"hour": 5, "minute": 50}
